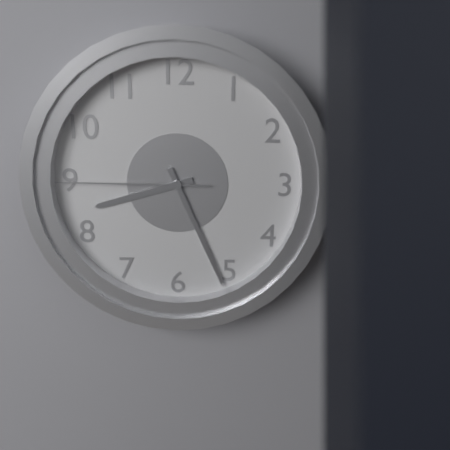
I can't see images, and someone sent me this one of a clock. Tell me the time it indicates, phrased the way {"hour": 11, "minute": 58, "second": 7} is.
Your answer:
{"hour": 8, "minute": 26, "second": 45}
